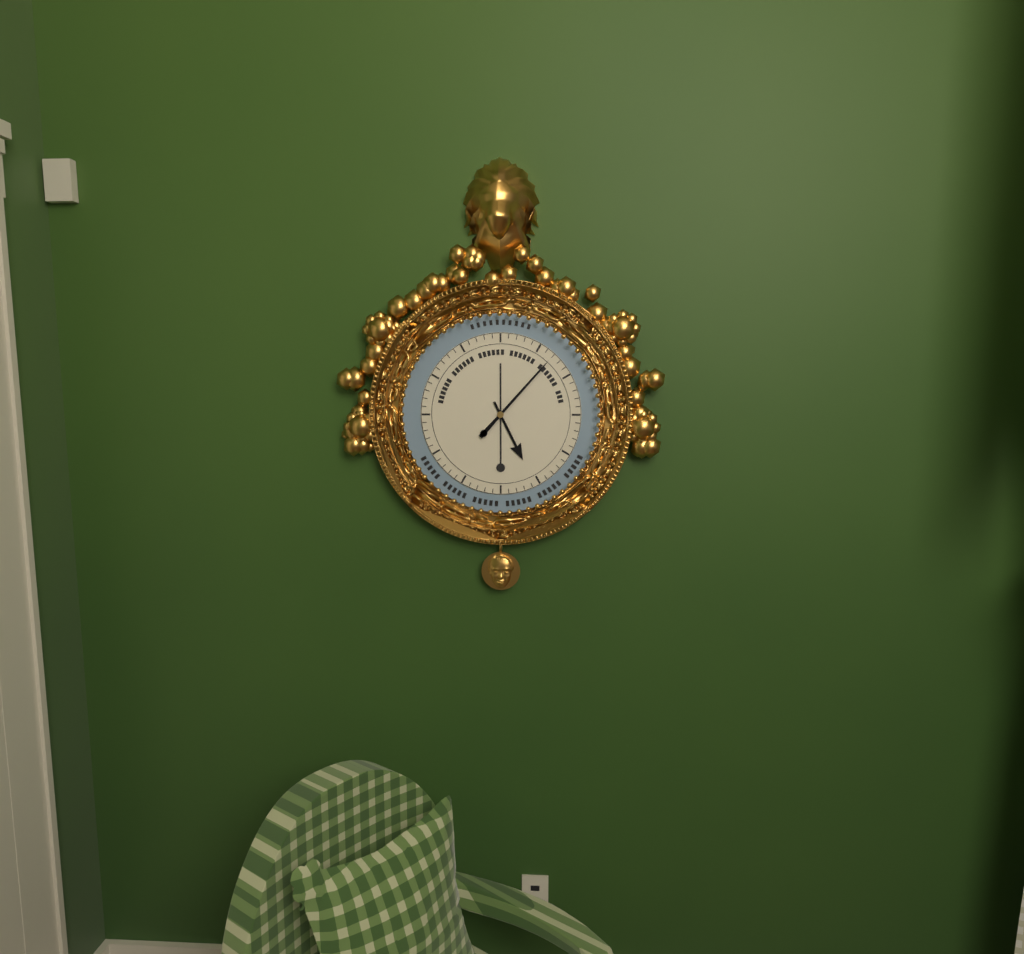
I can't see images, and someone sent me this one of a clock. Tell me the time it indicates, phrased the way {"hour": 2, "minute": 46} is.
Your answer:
{"hour": 5, "minute": 7}
